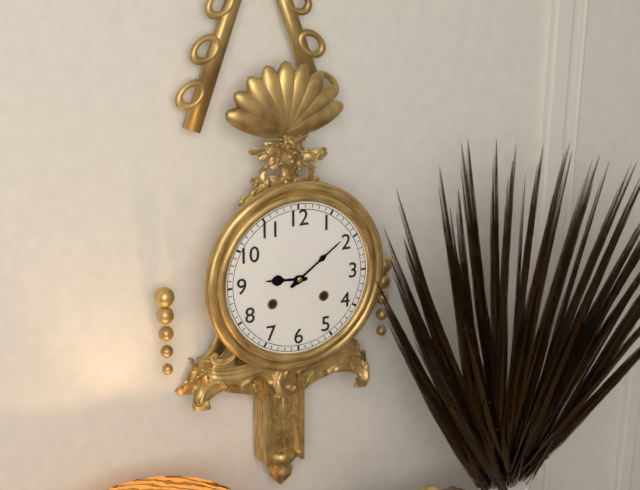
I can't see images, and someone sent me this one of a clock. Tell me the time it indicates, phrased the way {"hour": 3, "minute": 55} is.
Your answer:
{"hour": 9, "minute": 9}
